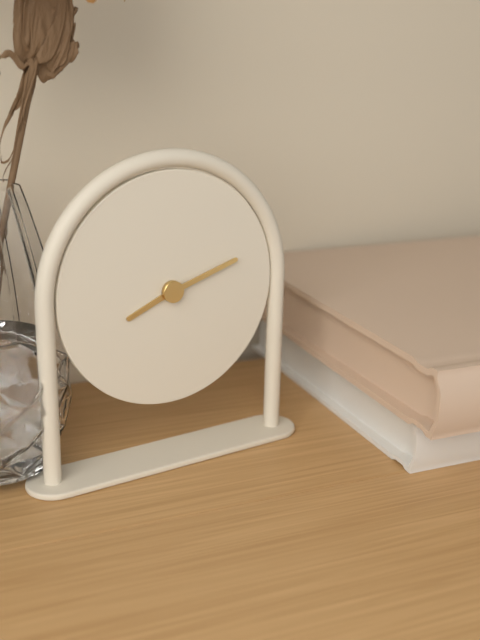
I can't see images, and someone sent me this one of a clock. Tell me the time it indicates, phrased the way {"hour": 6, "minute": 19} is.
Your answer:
{"hour": 8, "minute": 12}
